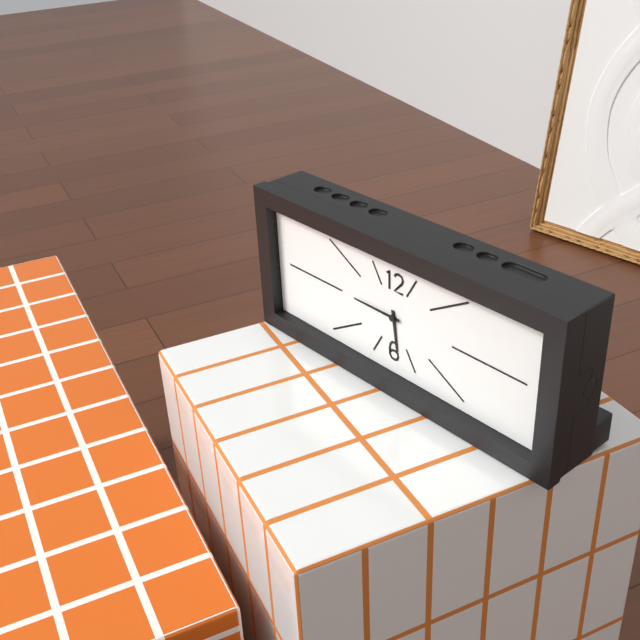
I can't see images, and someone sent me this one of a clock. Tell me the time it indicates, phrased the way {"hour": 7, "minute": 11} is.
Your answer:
{"hour": 5, "minute": 45}
